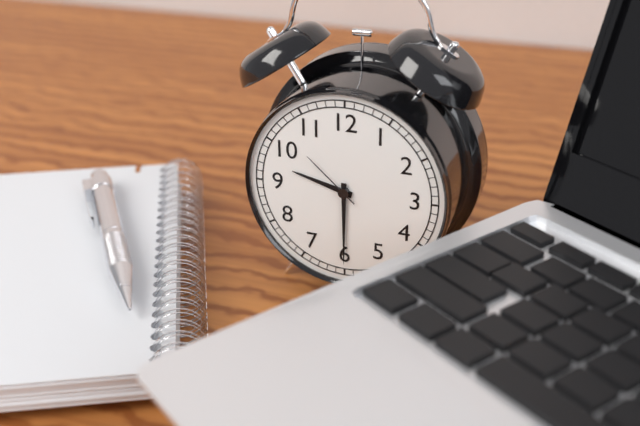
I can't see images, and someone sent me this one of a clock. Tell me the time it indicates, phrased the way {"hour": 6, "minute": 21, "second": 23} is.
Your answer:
{"hour": 9, "minute": 30, "second": 52}
